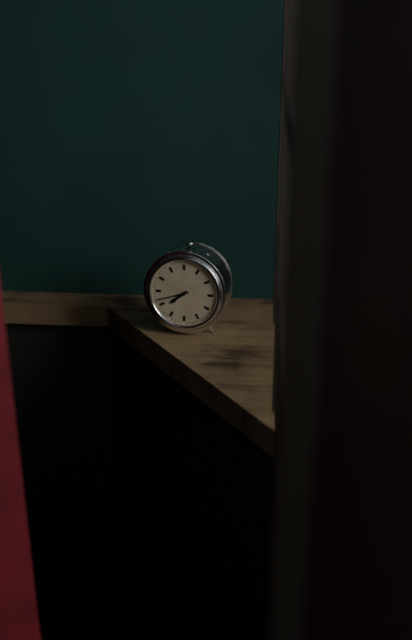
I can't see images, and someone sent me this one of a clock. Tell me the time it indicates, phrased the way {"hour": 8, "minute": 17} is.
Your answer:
{"hour": 7, "minute": 42}
